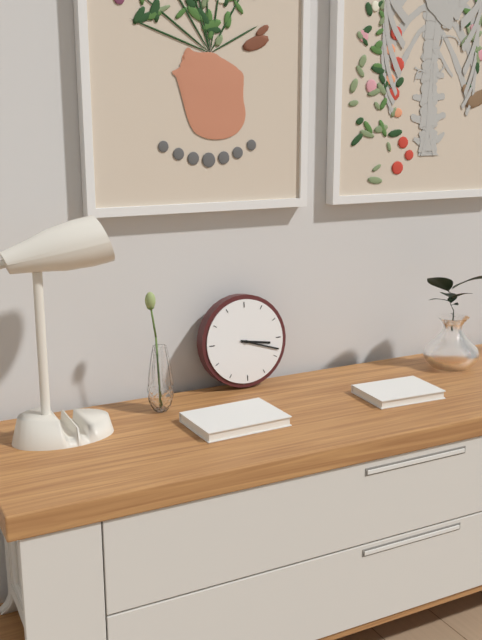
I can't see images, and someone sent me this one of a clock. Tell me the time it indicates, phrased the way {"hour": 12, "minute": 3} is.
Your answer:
{"hour": 3, "minute": 18}
